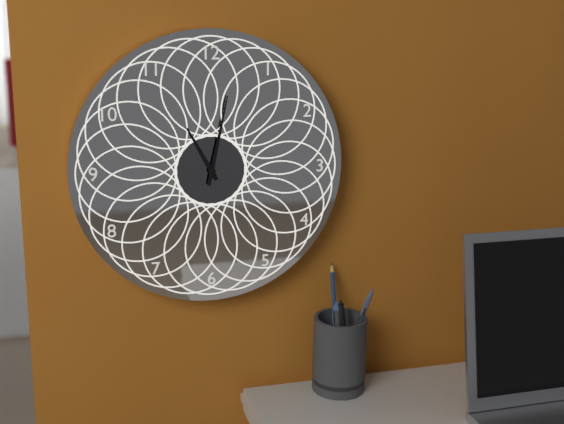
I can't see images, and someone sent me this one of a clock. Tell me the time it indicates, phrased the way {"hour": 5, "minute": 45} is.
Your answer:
{"hour": 11, "minute": 2}
